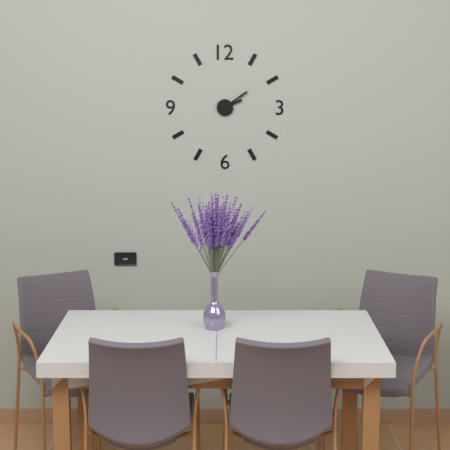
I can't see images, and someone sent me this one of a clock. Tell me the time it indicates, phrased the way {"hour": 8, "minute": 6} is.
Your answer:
{"hour": 2, "minute": 9}
